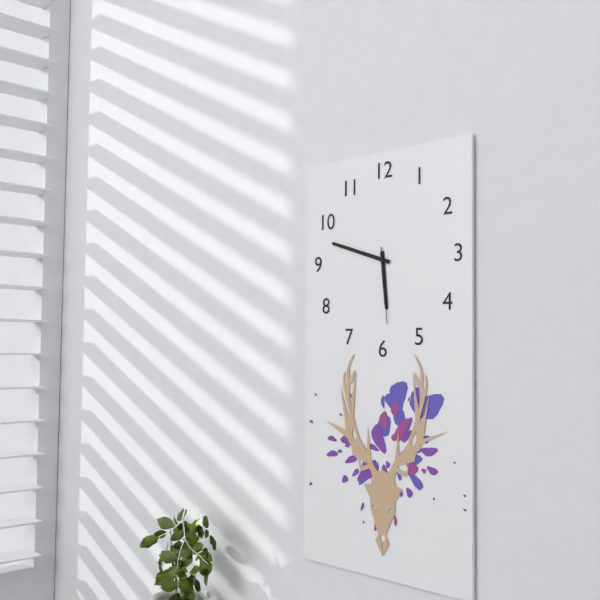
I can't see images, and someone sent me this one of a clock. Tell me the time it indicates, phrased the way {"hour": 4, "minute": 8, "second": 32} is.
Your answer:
{"hour": 5, "minute": 48, "second": 29}
